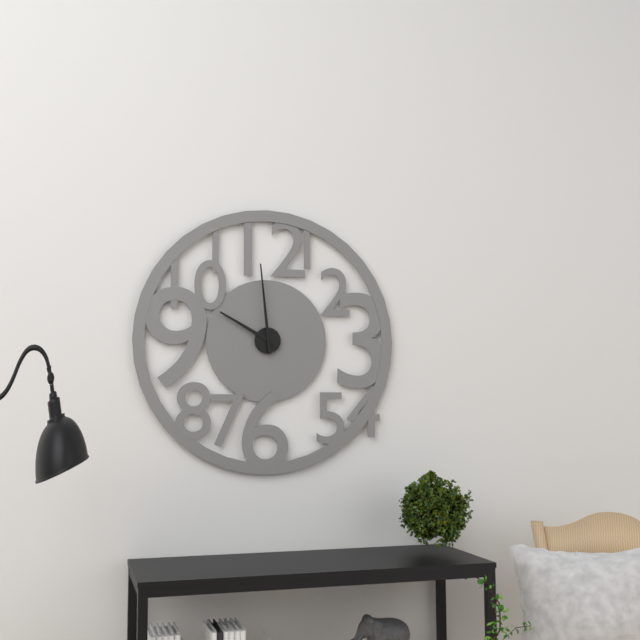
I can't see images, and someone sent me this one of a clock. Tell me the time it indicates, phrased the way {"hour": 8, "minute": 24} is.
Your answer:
{"hour": 9, "minute": 59}
